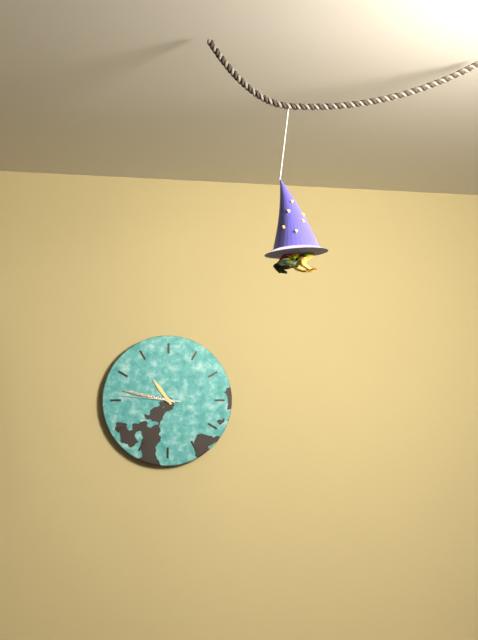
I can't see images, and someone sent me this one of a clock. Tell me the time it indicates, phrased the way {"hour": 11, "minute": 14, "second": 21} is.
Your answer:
{"hour": 10, "minute": 47, "second": 46}
